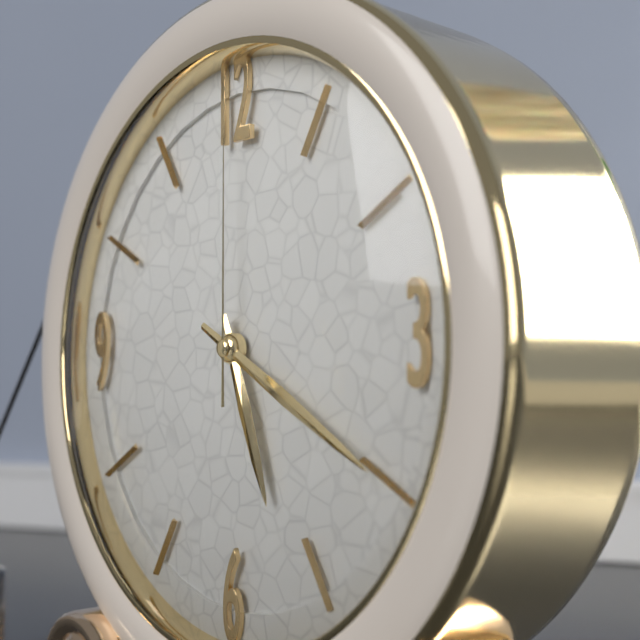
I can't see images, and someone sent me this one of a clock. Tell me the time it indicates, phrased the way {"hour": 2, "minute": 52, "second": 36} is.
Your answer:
{"hour": 5, "minute": 20, "second": 0}
